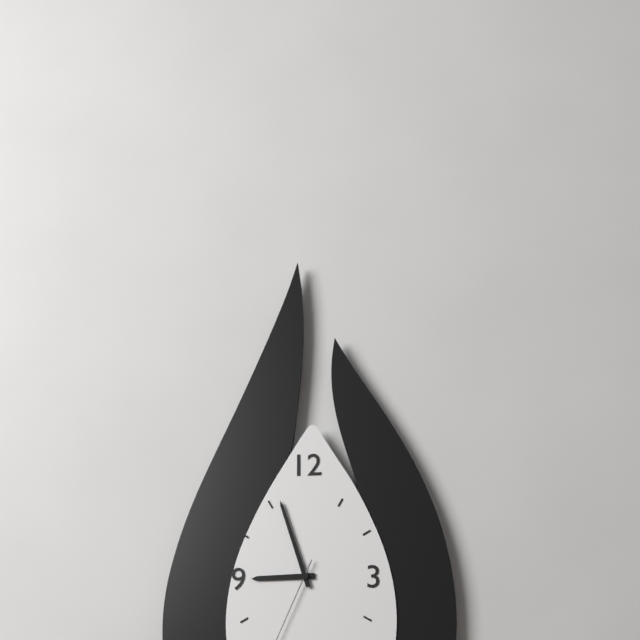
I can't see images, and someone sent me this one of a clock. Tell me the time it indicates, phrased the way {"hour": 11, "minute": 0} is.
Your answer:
{"hour": 8, "minute": 57}
